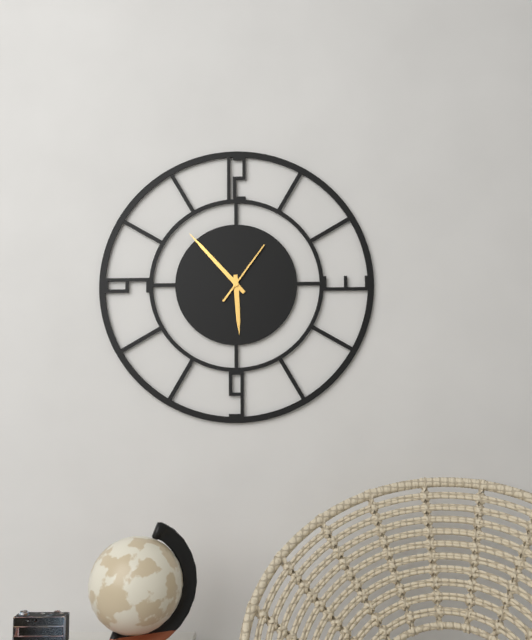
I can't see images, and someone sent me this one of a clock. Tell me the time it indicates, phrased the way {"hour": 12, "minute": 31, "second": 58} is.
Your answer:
{"hour": 5, "minute": 53, "second": 6}
